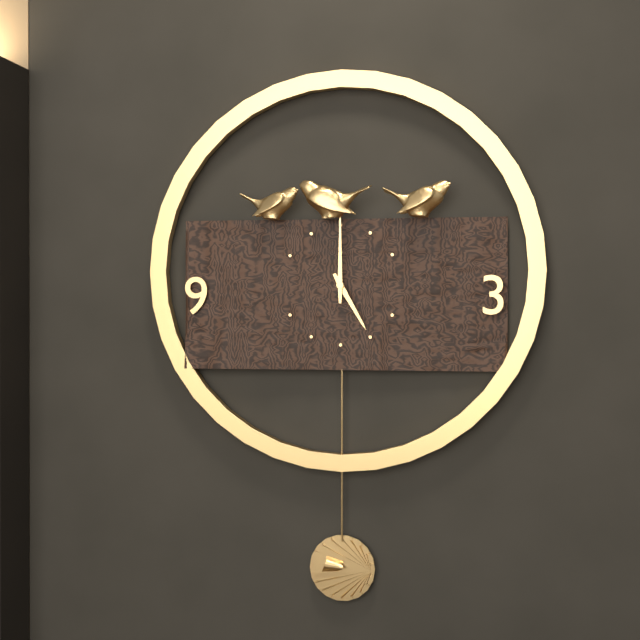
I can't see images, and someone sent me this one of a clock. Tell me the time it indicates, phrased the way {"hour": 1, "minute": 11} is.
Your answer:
{"hour": 5, "minute": 0}
